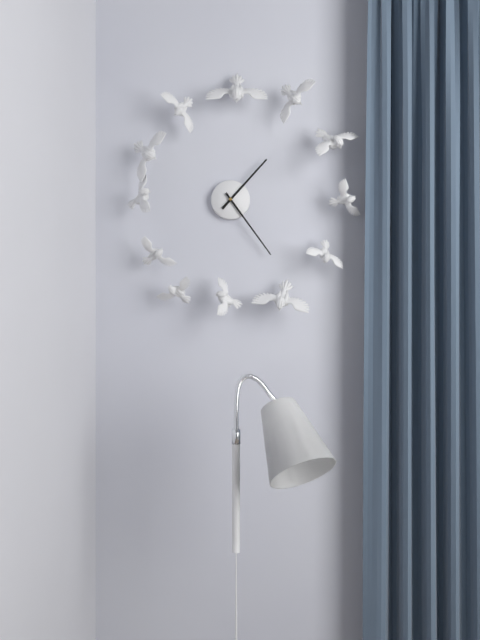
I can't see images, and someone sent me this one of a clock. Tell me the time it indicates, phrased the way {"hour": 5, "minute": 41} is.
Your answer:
{"hour": 1, "minute": 24}
